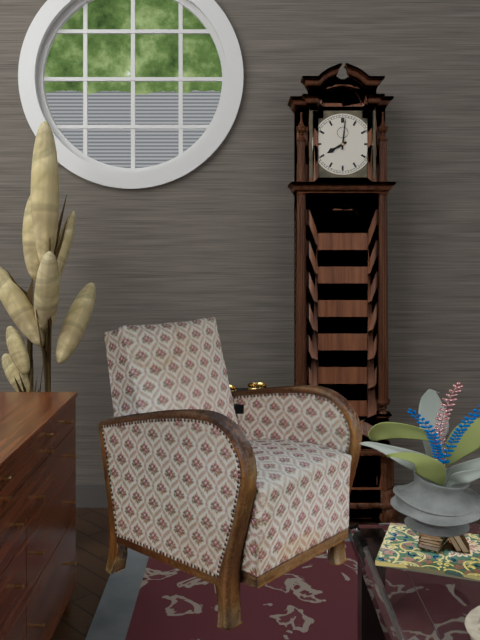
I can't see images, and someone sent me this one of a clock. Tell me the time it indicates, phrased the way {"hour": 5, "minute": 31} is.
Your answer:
{"hour": 8, "minute": 1}
